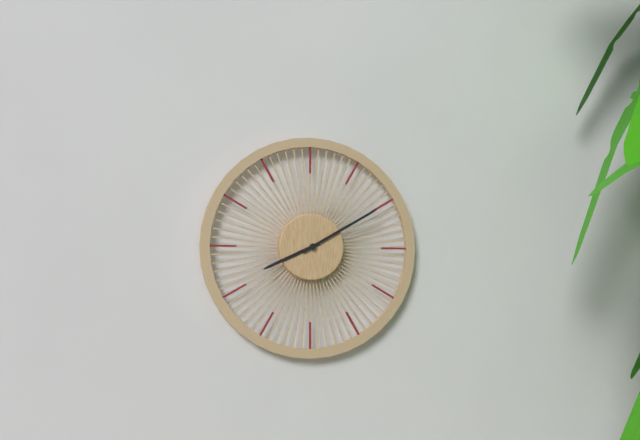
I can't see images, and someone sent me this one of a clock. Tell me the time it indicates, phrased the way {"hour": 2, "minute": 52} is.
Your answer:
{"hour": 8, "minute": 10}
